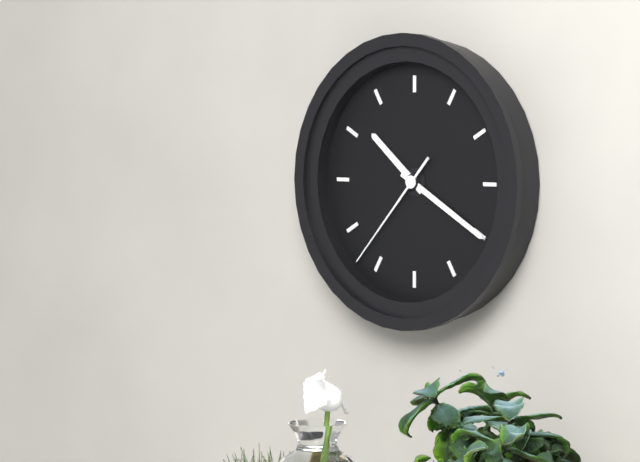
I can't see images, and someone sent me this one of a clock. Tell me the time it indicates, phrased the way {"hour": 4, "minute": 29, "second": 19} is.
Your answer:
{"hour": 10, "minute": 20, "second": 37}
